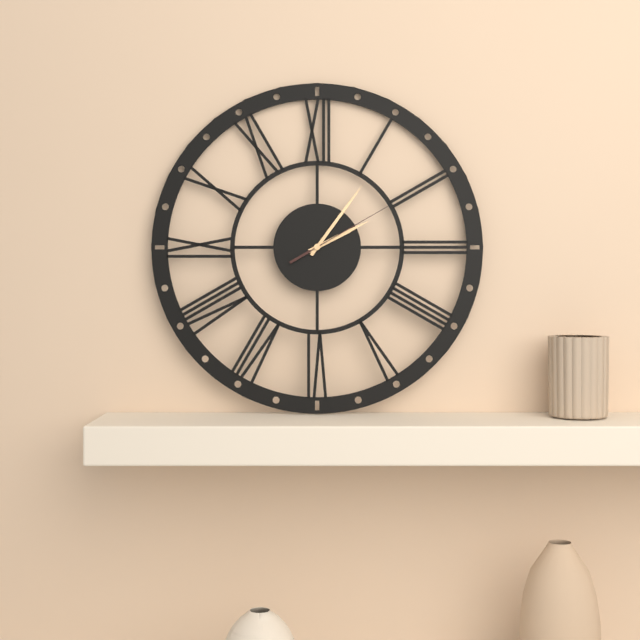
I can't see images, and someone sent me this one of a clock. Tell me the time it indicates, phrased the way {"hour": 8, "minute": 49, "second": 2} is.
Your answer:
{"hour": 2, "minute": 6, "second": 10}
